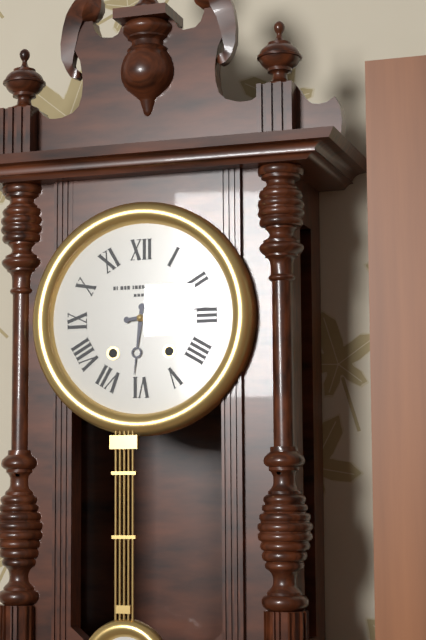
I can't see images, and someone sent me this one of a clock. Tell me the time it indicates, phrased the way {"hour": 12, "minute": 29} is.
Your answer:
{"hour": 6, "minute": 14}
